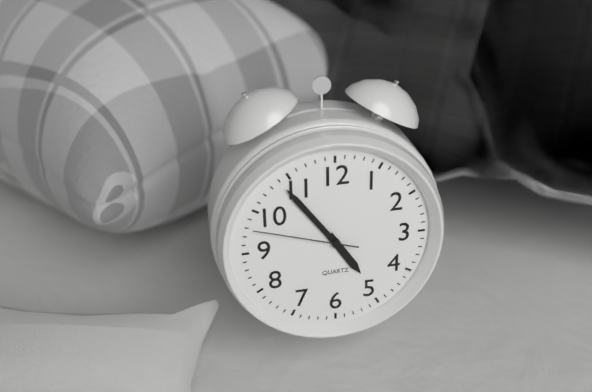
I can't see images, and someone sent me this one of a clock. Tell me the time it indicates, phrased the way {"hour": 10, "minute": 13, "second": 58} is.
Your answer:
{"hour": 4, "minute": 54, "second": 48}
